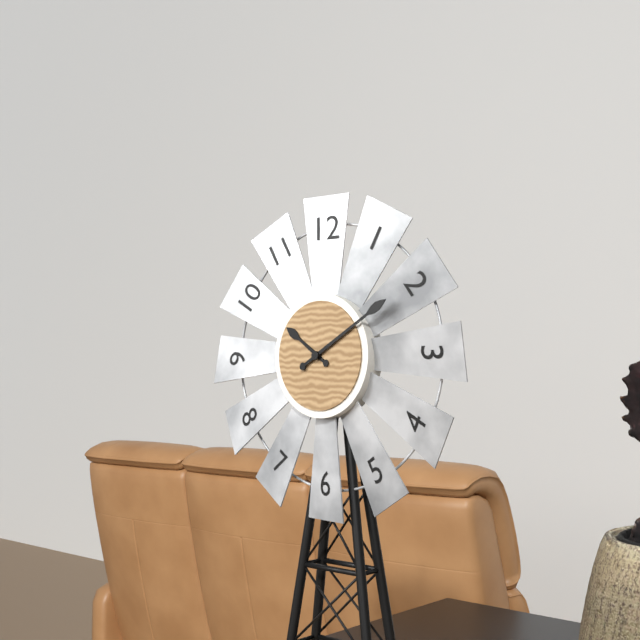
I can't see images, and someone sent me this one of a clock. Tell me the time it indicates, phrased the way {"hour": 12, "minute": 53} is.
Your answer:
{"hour": 10, "minute": 10}
